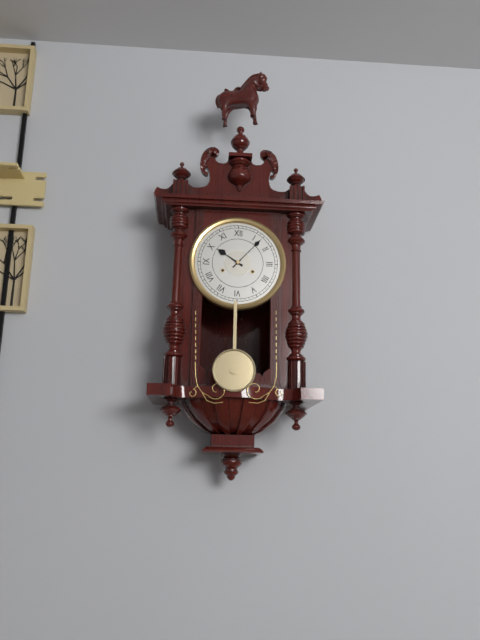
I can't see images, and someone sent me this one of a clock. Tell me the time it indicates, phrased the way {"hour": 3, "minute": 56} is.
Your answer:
{"hour": 10, "minute": 7}
